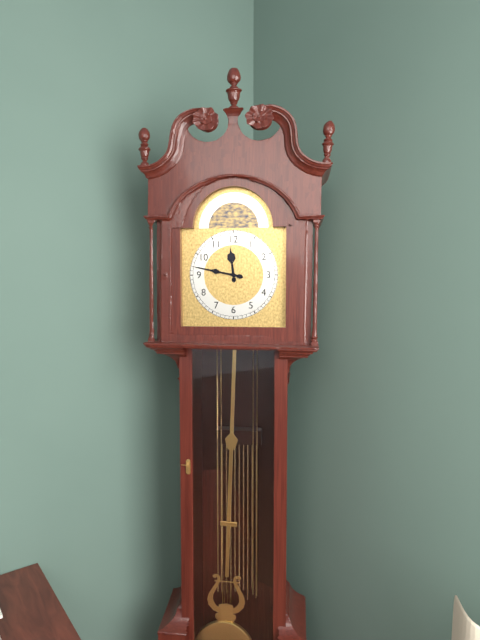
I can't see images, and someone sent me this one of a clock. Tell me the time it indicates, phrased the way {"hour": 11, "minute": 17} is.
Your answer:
{"hour": 11, "minute": 47}
